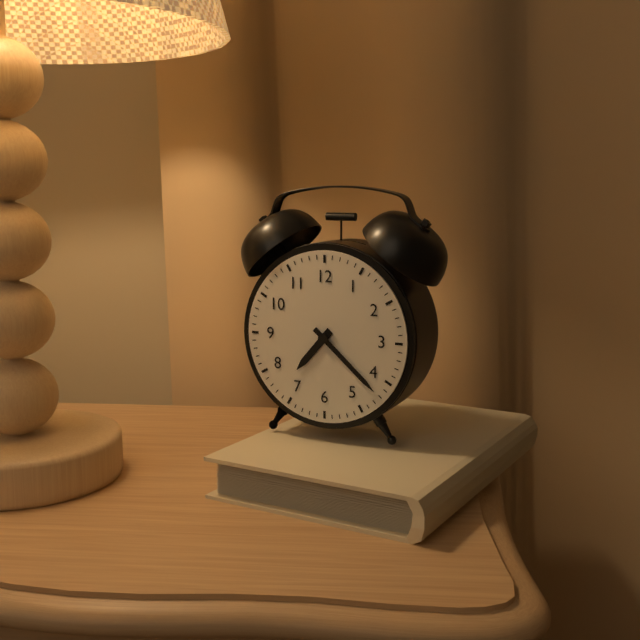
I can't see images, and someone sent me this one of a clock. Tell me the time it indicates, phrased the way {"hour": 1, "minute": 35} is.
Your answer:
{"hour": 7, "minute": 22}
